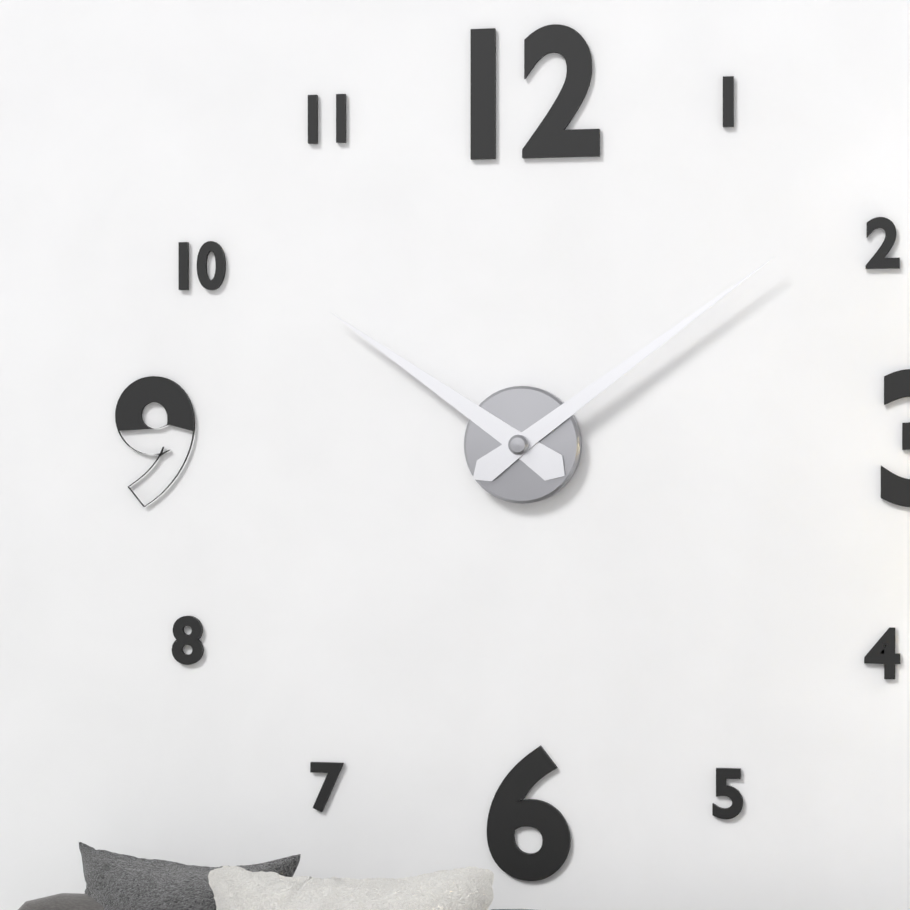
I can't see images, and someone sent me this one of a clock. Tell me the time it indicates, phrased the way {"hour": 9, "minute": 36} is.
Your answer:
{"hour": 10, "minute": 9}
